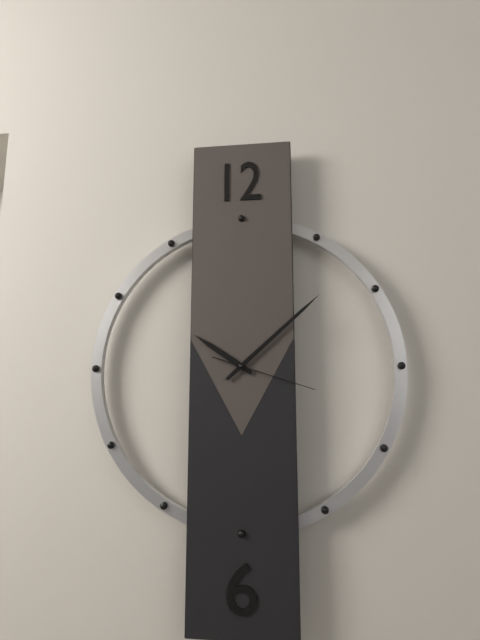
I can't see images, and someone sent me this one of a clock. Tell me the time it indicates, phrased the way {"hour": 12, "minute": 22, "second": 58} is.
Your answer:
{"hour": 10, "minute": 8, "second": 18}
